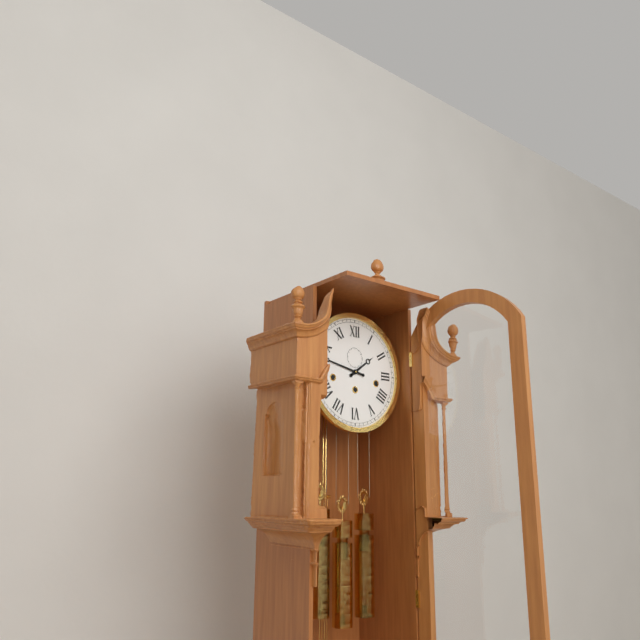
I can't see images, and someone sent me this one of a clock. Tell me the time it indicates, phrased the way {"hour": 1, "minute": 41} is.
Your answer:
{"hour": 1, "minute": 47}
